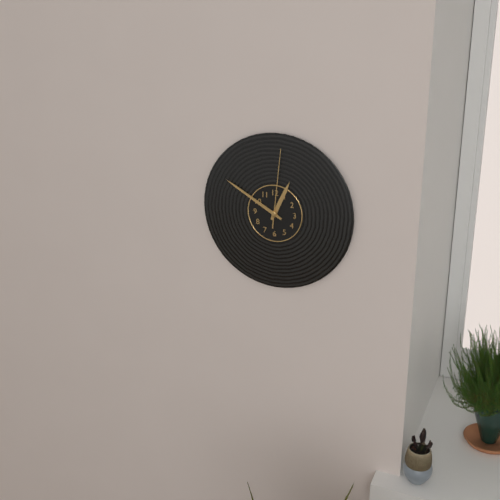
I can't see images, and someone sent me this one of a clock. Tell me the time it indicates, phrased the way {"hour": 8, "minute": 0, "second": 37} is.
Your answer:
{"hour": 12, "minute": 50, "second": 1}
